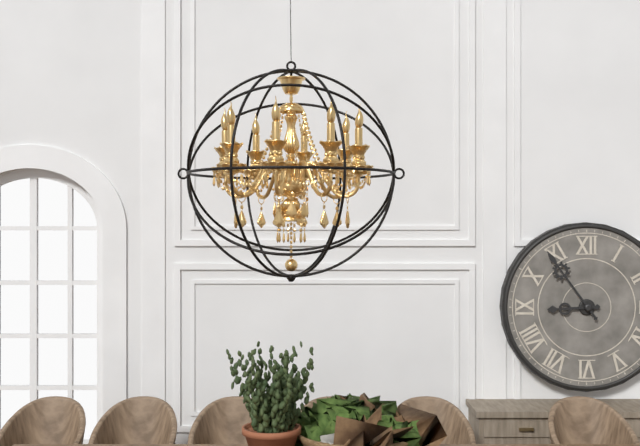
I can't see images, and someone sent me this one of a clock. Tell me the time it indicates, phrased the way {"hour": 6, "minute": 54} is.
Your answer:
{"hour": 8, "minute": 54}
